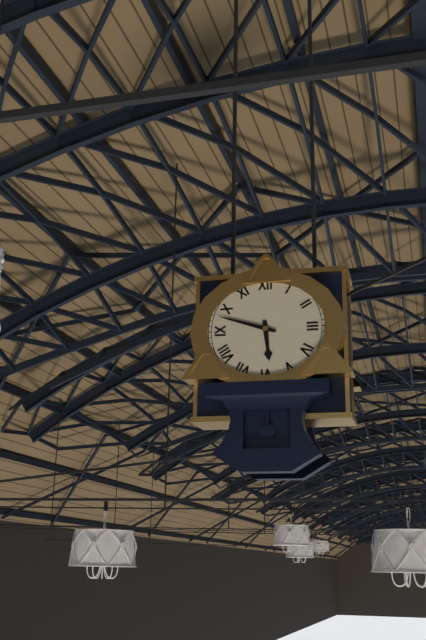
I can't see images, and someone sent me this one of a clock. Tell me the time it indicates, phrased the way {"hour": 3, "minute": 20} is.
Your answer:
{"hour": 5, "minute": 48}
